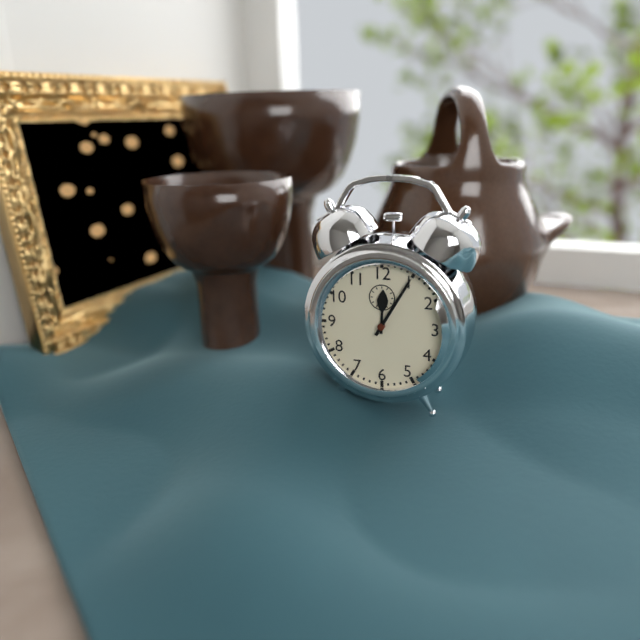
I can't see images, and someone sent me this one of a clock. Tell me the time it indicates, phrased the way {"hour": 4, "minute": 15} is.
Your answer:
{"hour": 12, "minute": 5}
